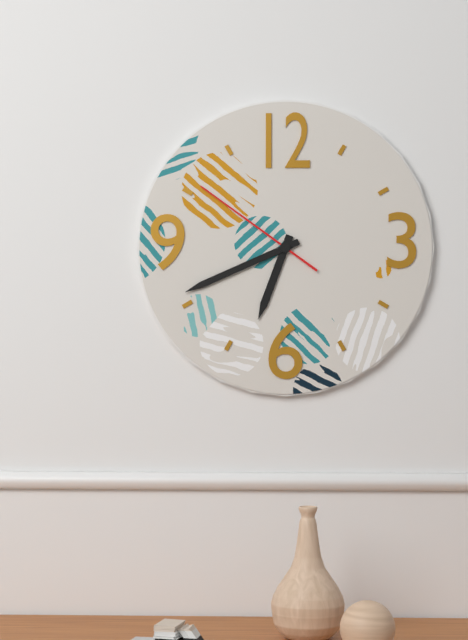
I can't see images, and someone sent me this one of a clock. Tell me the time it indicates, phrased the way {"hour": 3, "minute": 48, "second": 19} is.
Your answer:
{"hour": 6, "minute": 41, "second": 51}
